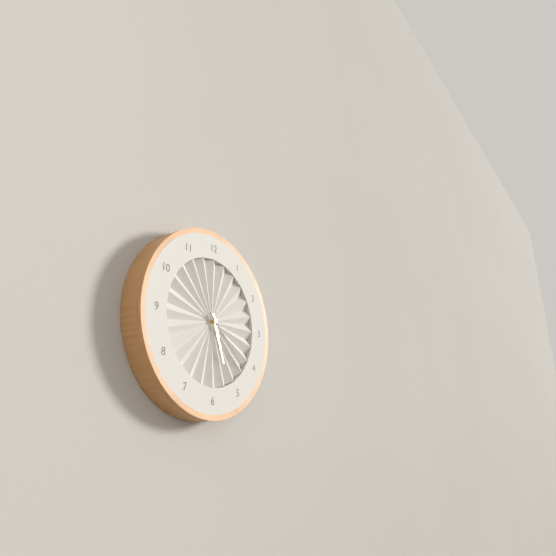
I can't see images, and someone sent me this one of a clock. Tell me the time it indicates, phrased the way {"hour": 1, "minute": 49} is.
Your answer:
{"hour": 5, "minute": 22}
